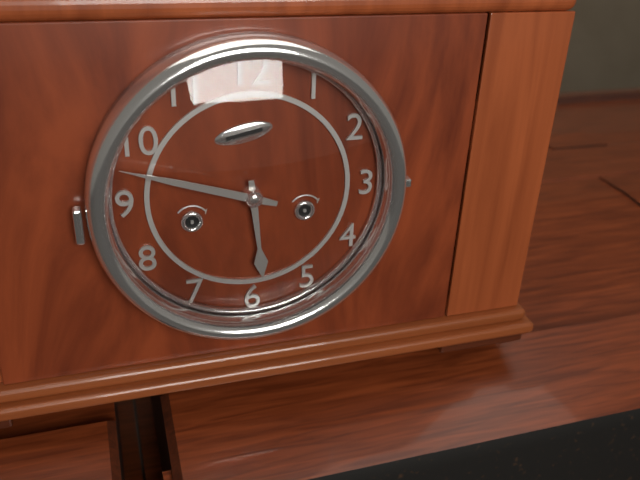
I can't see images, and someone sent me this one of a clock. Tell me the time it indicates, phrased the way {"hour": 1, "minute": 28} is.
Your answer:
{"hour": 5, "minute": 48}
